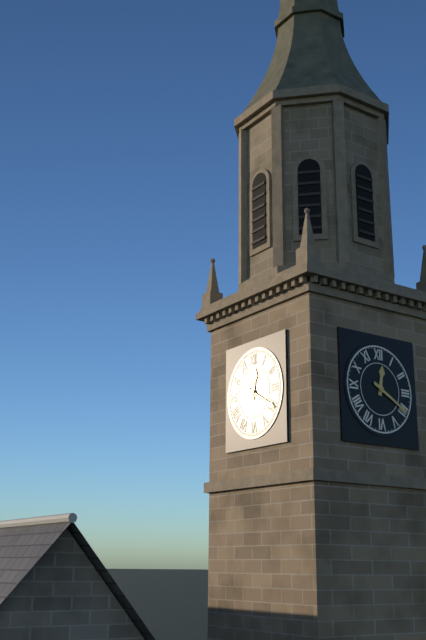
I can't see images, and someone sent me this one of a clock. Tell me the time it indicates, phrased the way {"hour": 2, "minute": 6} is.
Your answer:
{"hour": 12, "minute": 20}
